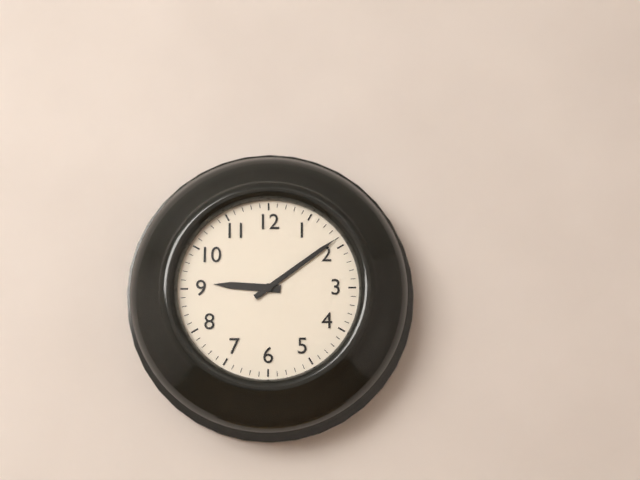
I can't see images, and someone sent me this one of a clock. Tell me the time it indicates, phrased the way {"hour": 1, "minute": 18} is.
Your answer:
{"hour": 9, "minute": 9}
